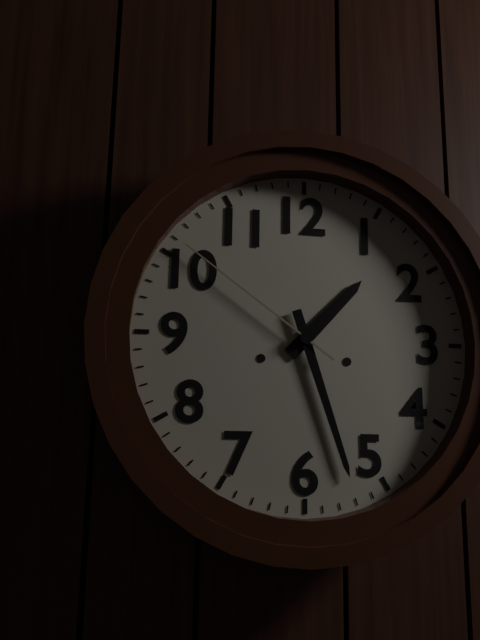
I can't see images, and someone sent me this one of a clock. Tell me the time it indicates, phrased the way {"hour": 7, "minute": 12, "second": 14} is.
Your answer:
{"hour": 1, "minute": 27, "second": 51}
